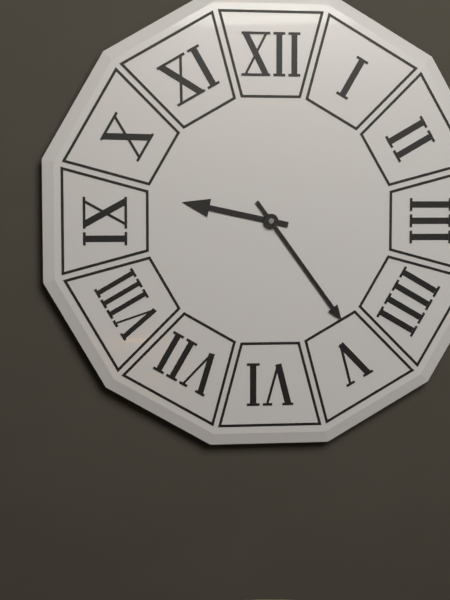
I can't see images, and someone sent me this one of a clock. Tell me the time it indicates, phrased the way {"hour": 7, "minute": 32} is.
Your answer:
{"hour": 9, "minute": 24}
